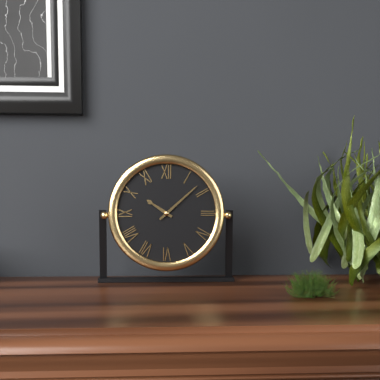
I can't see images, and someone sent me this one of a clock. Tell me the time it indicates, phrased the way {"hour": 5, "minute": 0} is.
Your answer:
{"hour": 10, "minute": 8}
